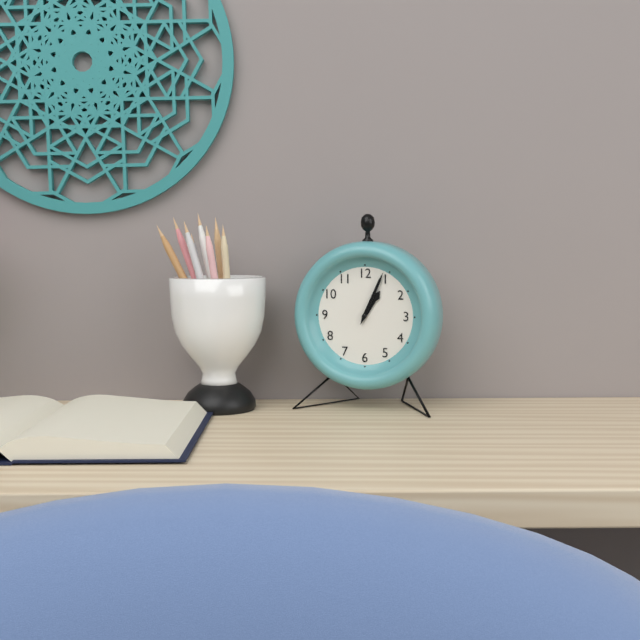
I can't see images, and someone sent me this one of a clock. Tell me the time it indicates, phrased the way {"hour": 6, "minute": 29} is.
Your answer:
{"hour": 1, "minute": 4}
